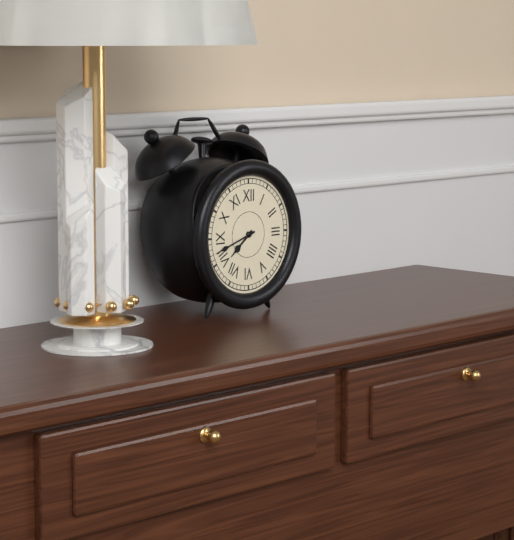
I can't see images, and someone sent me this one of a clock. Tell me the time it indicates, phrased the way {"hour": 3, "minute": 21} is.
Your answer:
{"hour": 7, "minute": 42}
